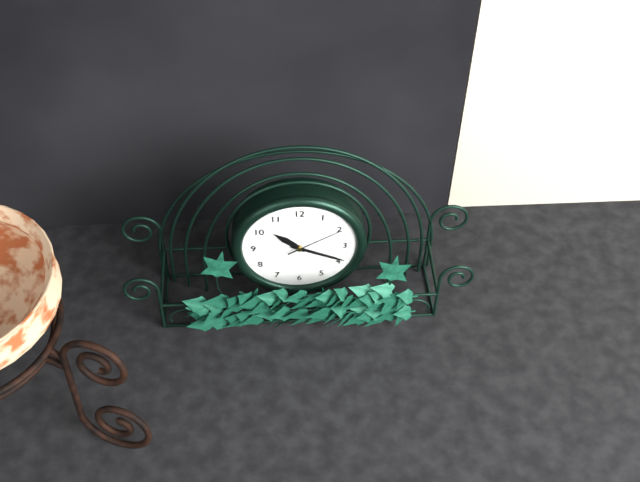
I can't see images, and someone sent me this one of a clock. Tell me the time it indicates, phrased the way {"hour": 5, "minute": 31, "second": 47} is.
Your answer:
{"hour": 10, "minute": 19, "second": 10}
